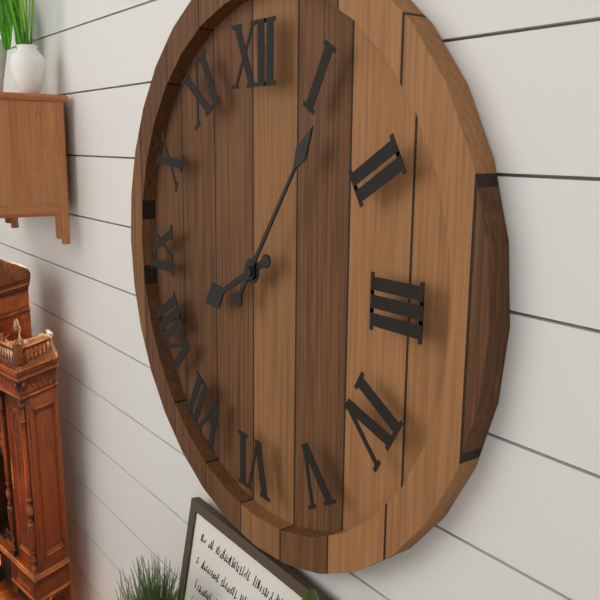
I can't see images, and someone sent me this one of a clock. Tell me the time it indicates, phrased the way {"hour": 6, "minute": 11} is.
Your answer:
{"hour": 8, "minute": 6}
